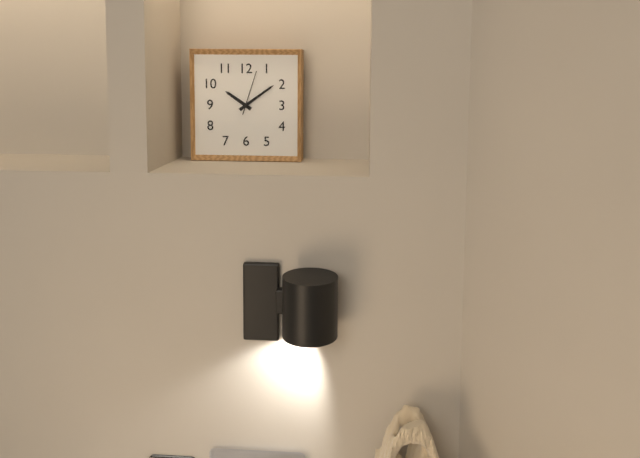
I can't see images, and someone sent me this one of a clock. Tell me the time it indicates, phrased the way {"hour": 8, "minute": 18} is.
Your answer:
{"hour": 10, "minute": 9}
